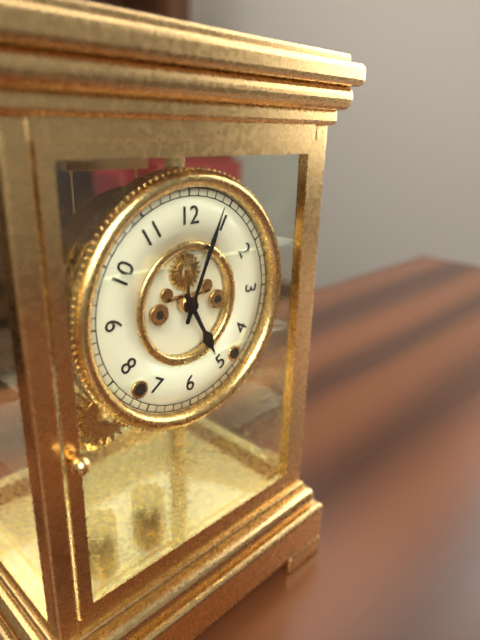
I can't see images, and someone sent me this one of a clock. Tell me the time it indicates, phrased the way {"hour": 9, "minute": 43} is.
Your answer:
{"hour": 5, "minute": 4}
